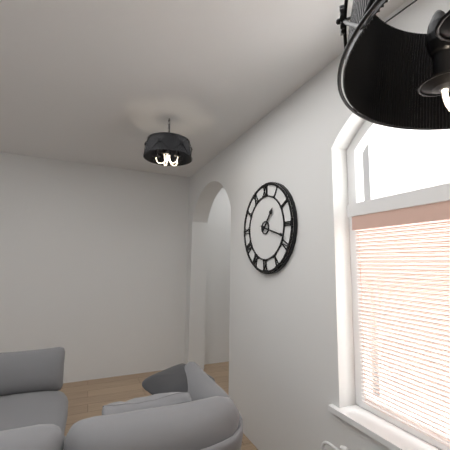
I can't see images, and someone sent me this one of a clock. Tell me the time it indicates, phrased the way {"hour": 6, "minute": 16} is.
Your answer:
{"hour": 1, "minute": 18}
